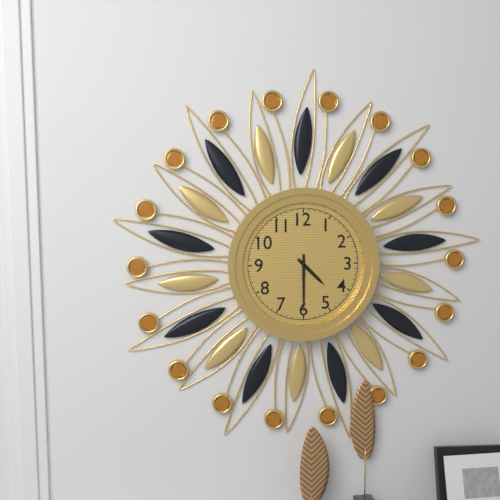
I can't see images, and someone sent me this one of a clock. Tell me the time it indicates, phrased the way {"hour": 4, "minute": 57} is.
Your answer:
{"hour": 4, "minute": 30}
